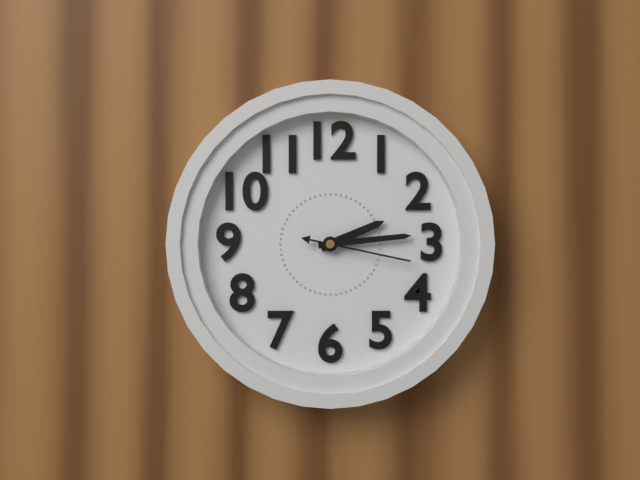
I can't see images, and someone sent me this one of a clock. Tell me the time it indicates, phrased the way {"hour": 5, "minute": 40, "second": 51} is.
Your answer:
{"hour": 2, "minute": 14, "second": 17}
